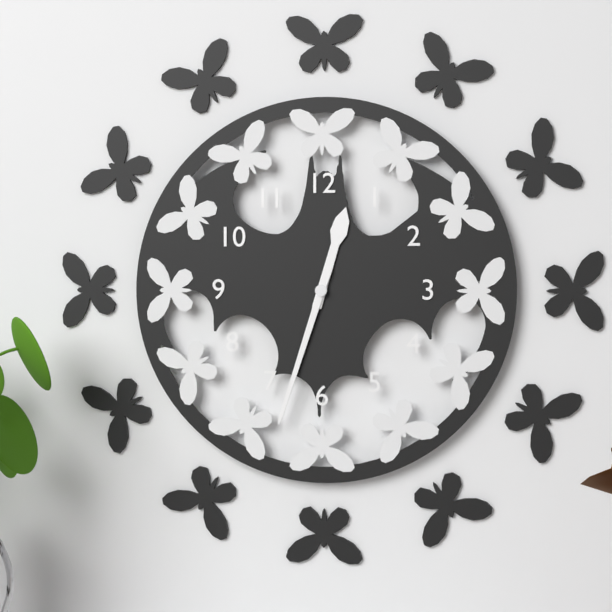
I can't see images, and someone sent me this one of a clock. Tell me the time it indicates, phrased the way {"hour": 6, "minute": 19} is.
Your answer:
{"hour": 12, "minute": 33}
